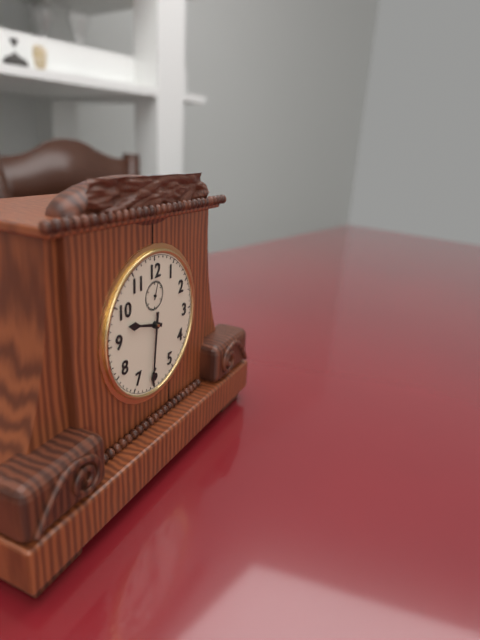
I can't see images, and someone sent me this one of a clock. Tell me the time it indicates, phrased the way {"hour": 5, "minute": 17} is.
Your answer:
{"hour": 9, "minute": 31}
